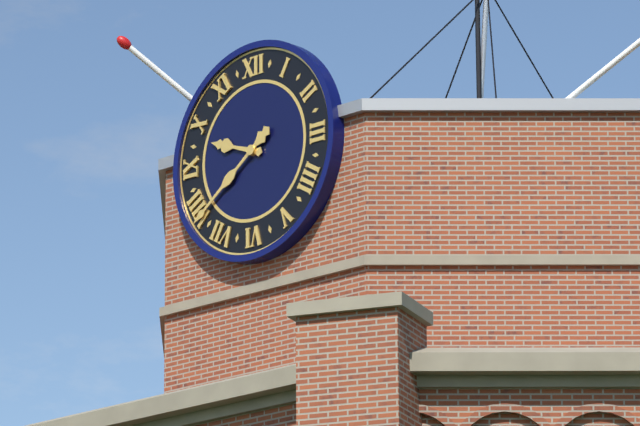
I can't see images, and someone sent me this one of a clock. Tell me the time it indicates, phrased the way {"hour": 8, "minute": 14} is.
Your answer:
{"hour": 9, "minute": 39}
